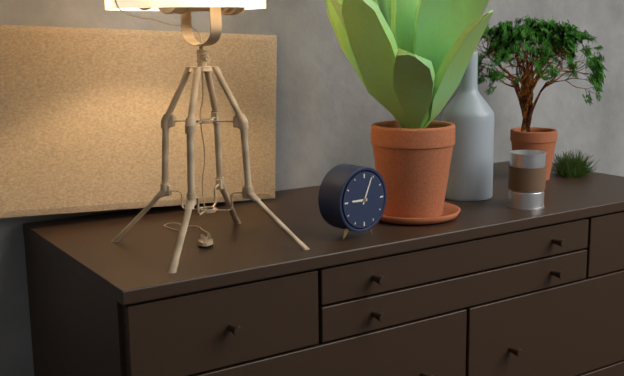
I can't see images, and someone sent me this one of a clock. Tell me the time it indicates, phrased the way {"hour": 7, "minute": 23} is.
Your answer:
{"hour": 9, "minute": 4}
